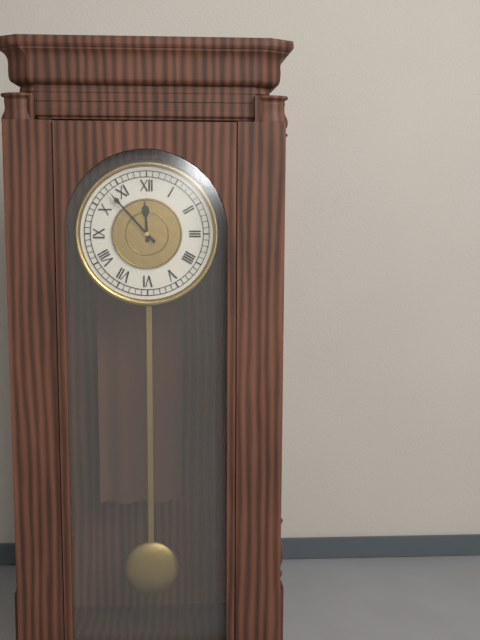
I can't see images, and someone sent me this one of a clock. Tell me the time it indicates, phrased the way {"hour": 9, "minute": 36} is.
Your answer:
{"hour": 11, "minute": 53}
